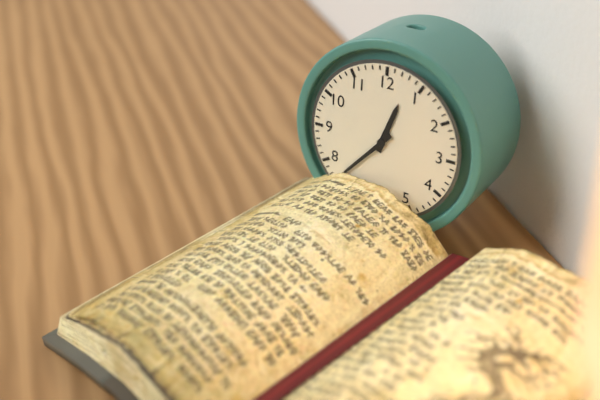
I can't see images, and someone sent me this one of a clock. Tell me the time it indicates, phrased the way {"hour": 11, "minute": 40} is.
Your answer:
{"hour": 12, "minute": 37}
